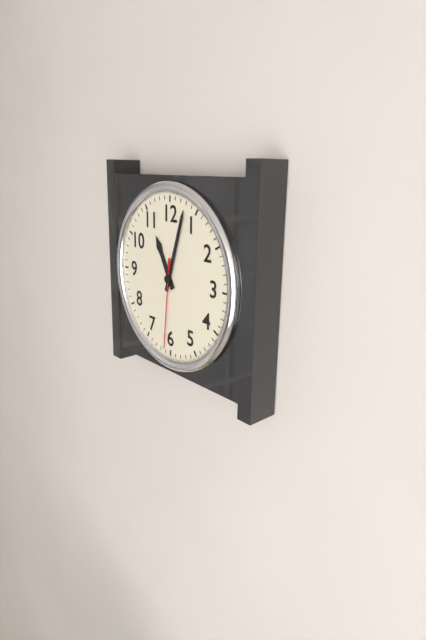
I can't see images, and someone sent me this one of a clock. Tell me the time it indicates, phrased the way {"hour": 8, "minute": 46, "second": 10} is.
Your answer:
{"hour": 11, "minute": 3, "second": 31}
